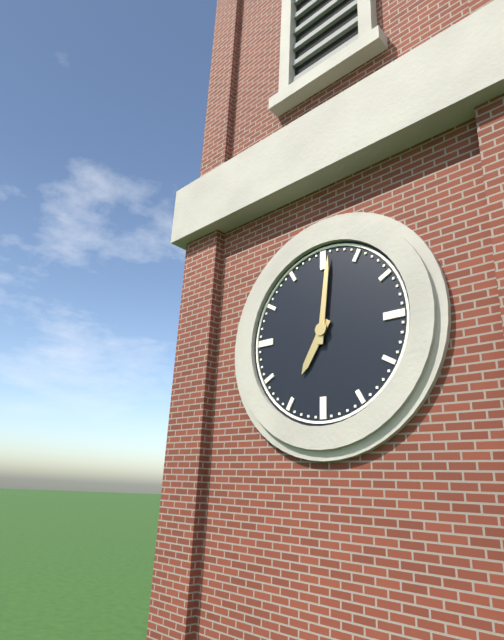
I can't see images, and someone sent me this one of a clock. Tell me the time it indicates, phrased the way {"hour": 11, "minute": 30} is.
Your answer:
{"hour": 7, "minute": 1}
